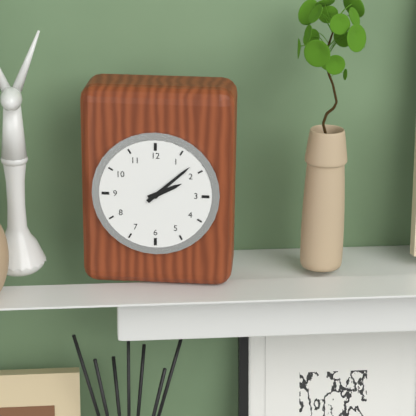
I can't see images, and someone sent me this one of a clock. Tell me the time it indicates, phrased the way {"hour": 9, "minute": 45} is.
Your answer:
{"hour": 2, "minute": 8}
